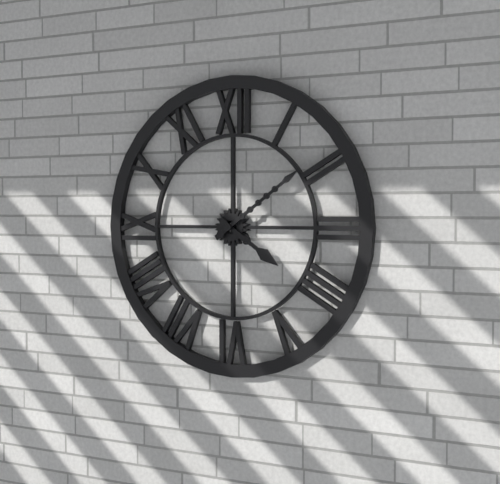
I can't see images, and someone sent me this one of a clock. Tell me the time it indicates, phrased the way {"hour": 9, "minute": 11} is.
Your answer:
{"hour": 4, "minute": 9}
